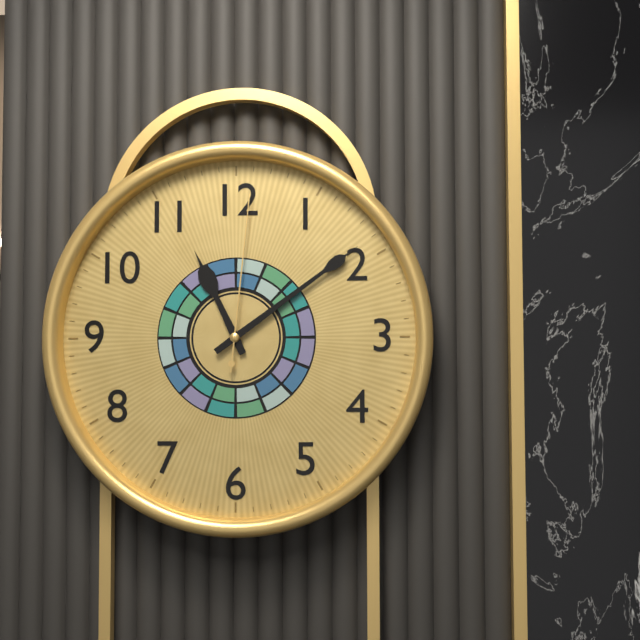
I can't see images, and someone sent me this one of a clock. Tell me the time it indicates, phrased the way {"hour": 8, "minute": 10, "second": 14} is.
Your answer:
{"hour": 11, "minute": 9, "second": 1}
